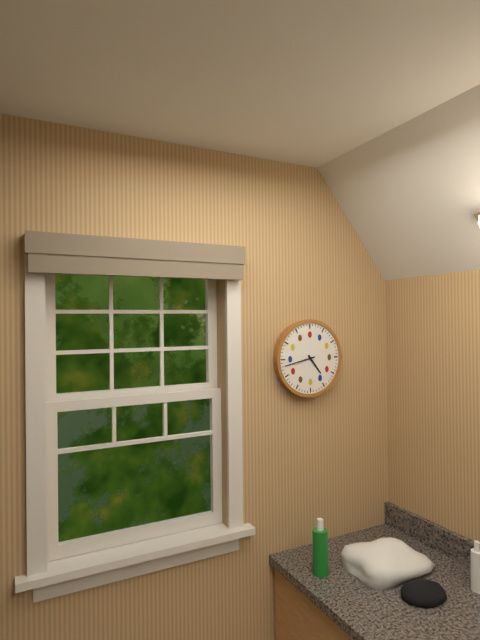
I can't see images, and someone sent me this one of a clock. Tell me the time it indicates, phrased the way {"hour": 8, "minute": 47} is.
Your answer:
{"hour": 4, "minute": 43}
